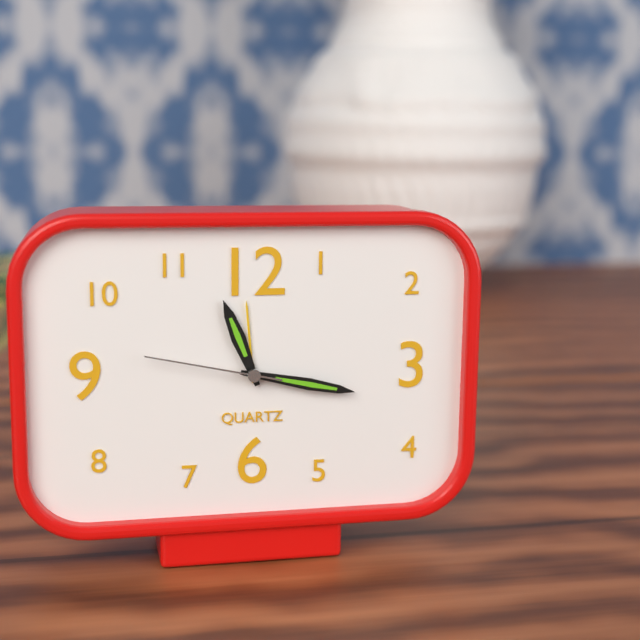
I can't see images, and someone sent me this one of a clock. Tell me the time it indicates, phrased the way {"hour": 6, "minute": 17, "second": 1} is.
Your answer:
{"hour": 11, "minute": 17, "second": 47}
